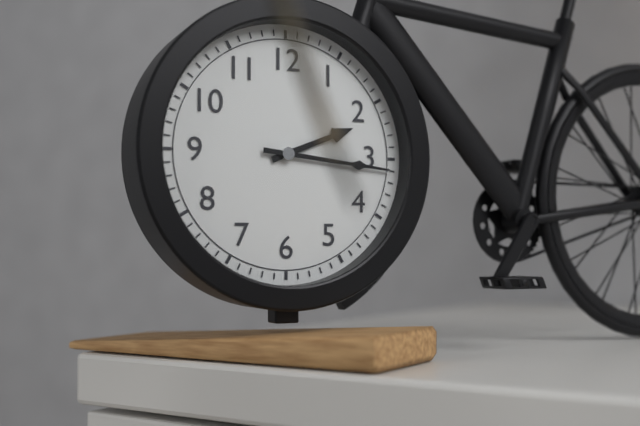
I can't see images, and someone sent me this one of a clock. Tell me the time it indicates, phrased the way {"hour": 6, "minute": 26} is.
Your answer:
{"hour": 2, "minute": 16}
